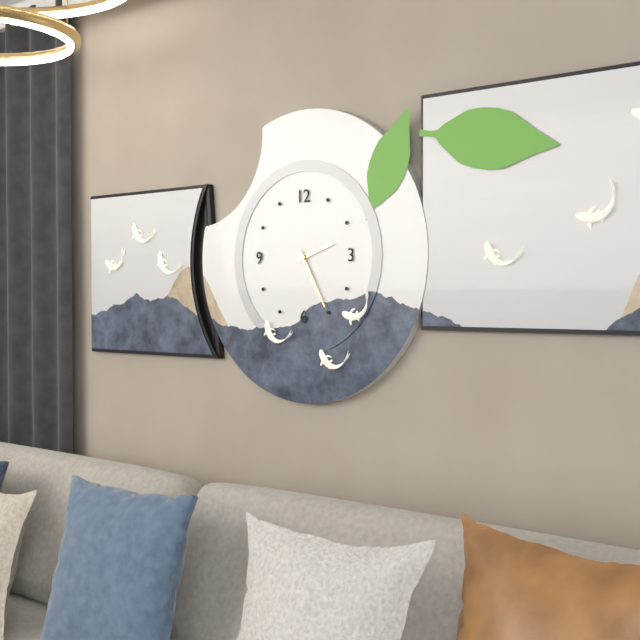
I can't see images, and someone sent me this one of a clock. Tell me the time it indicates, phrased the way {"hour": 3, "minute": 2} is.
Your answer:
{"hour": 2, "minute": 25}
